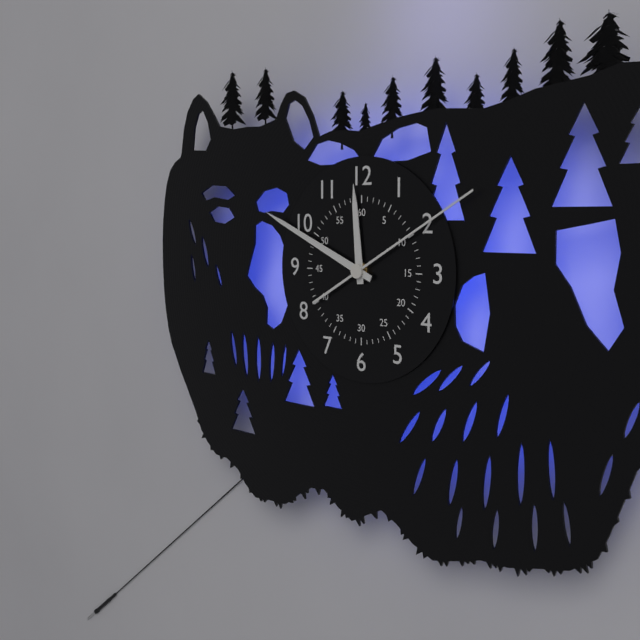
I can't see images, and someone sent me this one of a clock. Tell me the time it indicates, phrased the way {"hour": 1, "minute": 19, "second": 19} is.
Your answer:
{"hour": 11, "minute": 49, "second": 10}
